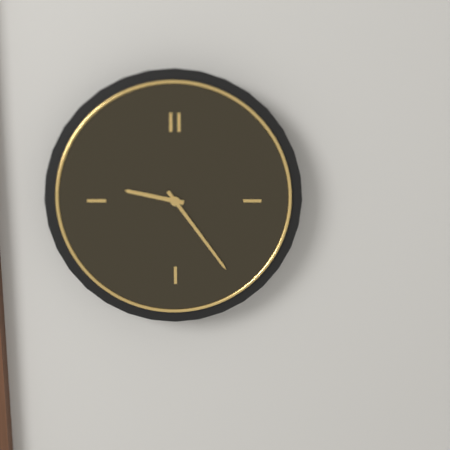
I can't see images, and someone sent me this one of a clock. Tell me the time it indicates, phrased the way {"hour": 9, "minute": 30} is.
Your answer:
{"hour": 9, "minute": 24}
